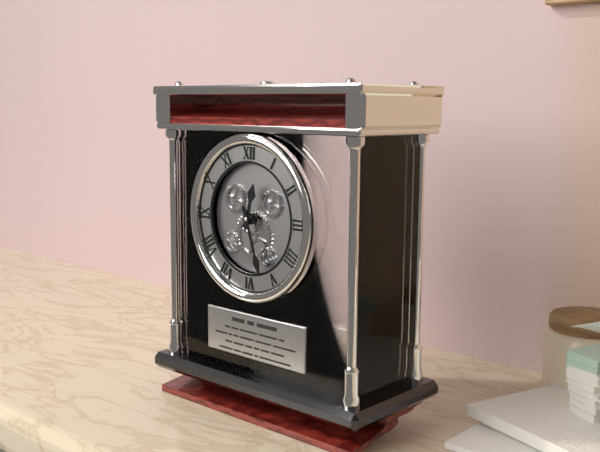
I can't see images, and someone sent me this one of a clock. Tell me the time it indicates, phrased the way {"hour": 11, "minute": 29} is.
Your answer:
{"hour": 12, "minute": 27}
